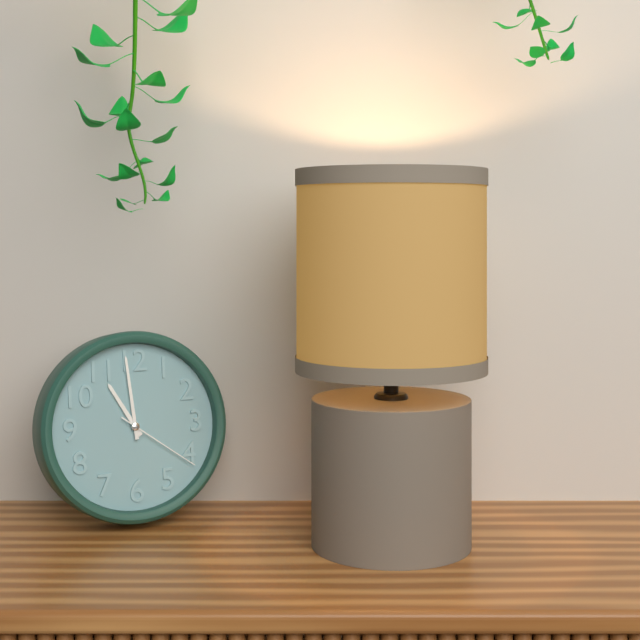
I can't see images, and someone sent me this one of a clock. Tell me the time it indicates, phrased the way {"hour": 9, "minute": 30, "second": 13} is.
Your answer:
{"hour": 10, "minute": 59, "second": 21}
